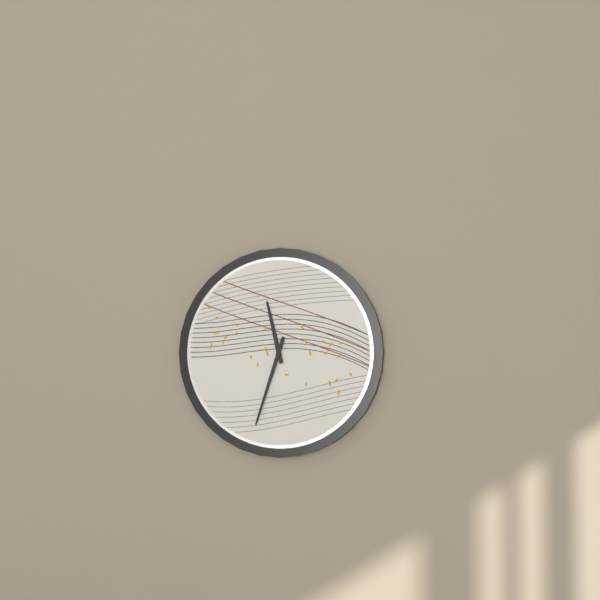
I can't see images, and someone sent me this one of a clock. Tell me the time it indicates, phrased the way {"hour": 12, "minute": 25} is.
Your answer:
{"hour": 11, "minute": 33}
